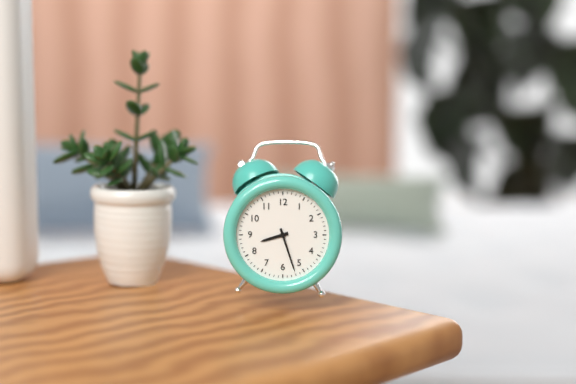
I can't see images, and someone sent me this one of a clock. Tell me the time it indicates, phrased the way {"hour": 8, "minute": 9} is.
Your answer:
{"hour": 8, "minute": 27}
